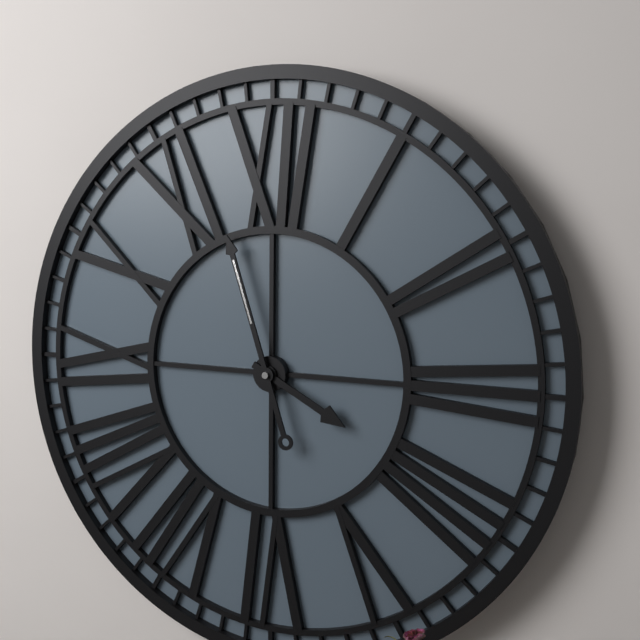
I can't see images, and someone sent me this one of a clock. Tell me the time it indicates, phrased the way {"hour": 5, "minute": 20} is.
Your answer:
{"hour": 3, "minute": 57}
